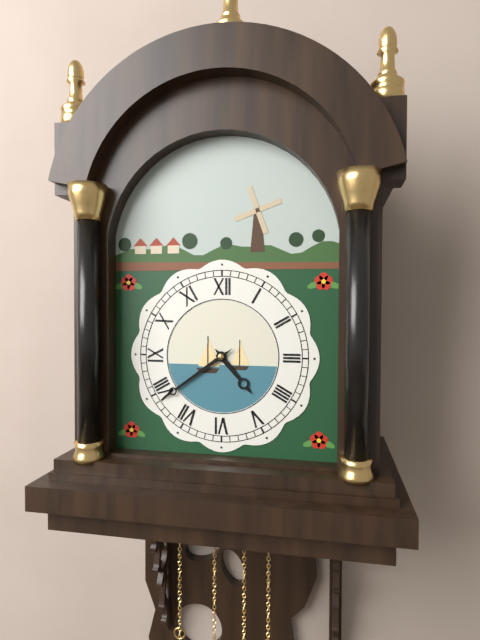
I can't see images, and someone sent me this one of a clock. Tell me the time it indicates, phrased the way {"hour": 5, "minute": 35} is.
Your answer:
{"hour": 4, "minute": 39}
